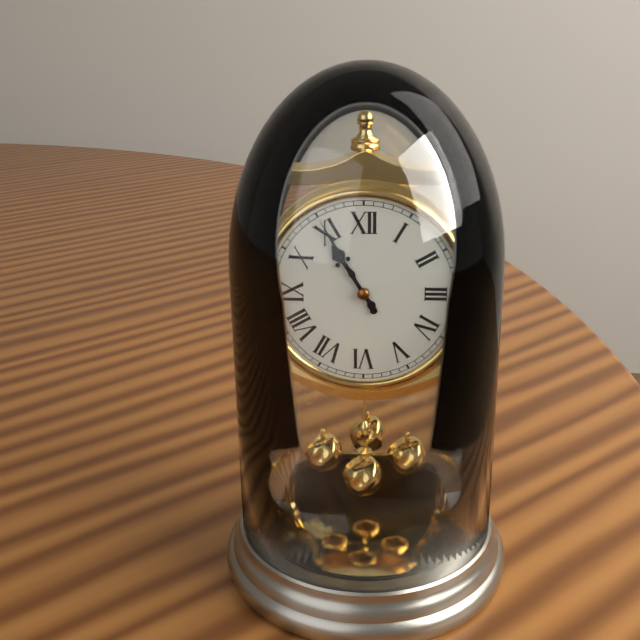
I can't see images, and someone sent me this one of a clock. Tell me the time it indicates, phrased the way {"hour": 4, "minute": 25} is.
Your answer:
{"hour": 10, "minute": 55}
